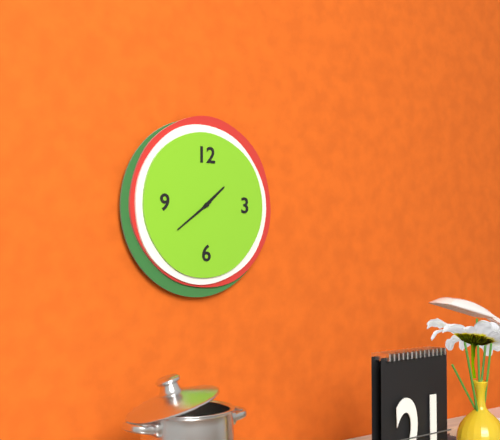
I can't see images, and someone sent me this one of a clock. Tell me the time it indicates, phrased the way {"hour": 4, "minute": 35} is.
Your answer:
{"hour": 1, "minute": 39}
